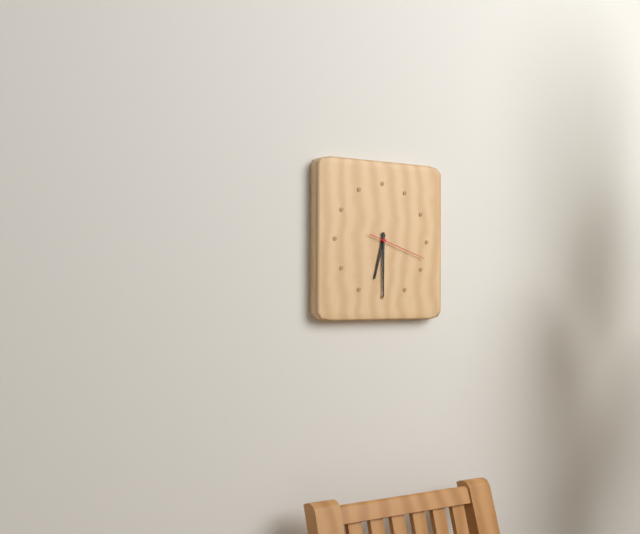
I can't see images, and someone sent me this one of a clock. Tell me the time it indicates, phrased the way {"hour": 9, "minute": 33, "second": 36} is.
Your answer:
{"hour": 6, "minute": 30, "second": 18}
